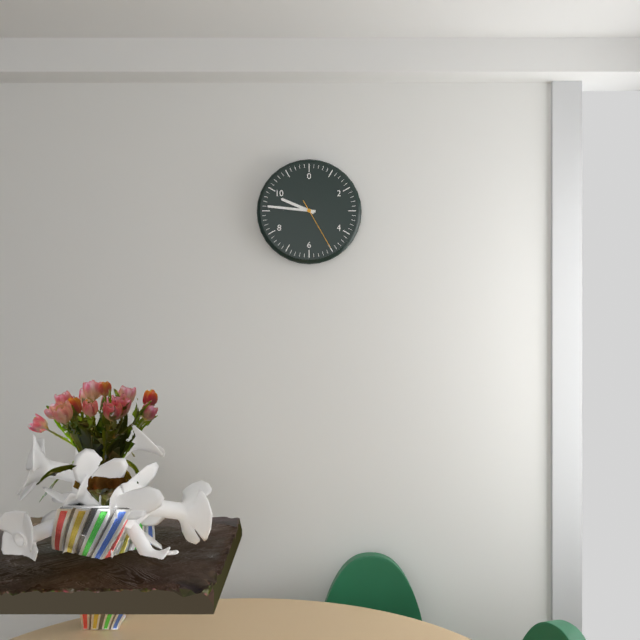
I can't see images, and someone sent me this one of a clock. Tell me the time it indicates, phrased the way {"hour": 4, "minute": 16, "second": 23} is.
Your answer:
{"hour": 9, "minute": 46, "second": 25}
